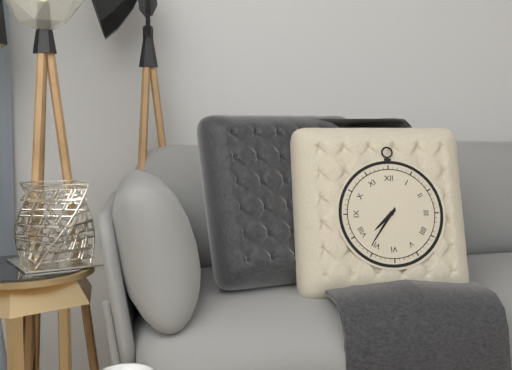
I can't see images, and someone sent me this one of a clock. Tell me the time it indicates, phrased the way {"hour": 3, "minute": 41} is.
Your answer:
{"hour": 7, "minute": 36}
